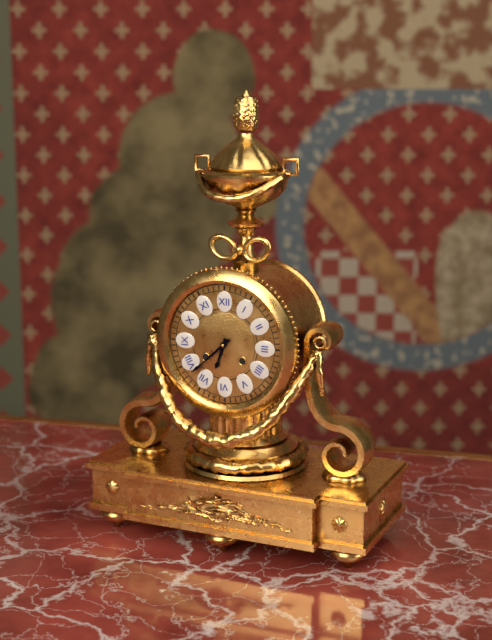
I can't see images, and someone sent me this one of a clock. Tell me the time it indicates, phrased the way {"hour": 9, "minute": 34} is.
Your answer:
{"hour": 6, "minute": 38}
